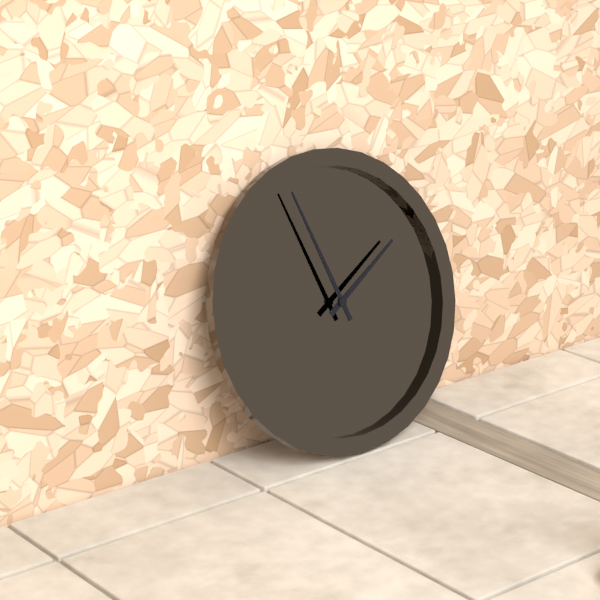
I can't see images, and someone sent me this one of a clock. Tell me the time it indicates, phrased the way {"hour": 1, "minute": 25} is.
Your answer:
{"hour": 1, "minute": 57}
